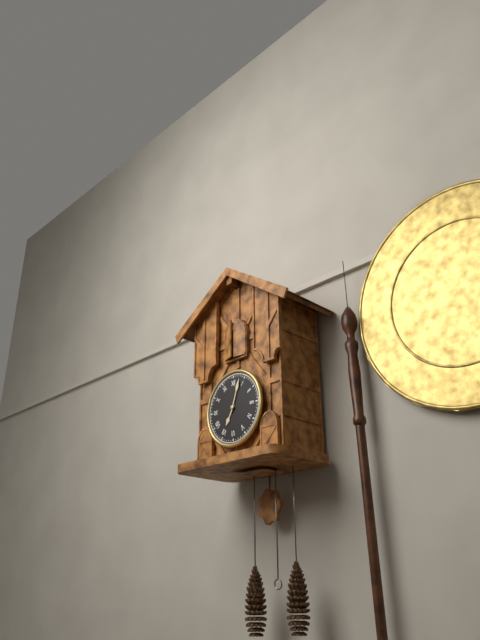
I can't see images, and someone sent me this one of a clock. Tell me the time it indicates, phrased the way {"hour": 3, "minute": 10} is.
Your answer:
{"hour": 7, "minute": 3}
